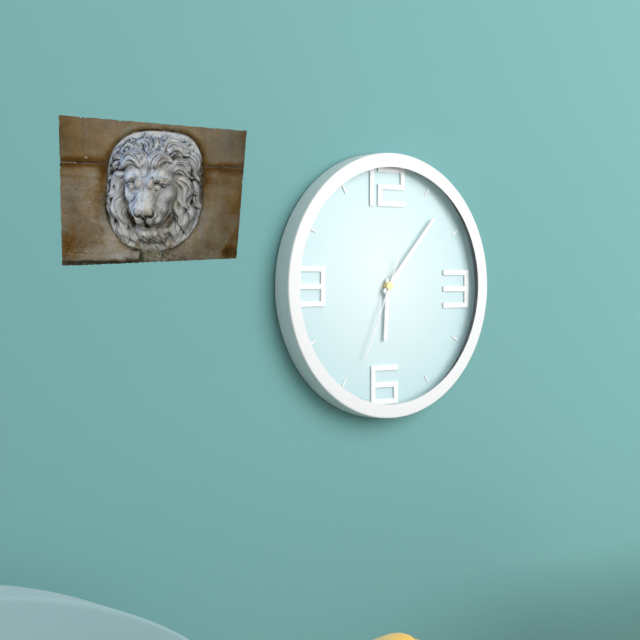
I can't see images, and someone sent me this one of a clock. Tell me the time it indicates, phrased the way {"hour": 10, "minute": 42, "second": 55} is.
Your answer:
{"hour": 6, "minute": 7, "second": 34}
